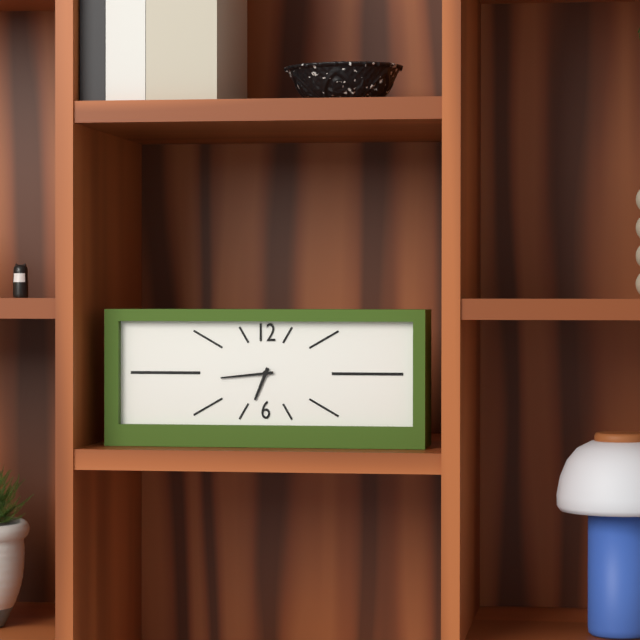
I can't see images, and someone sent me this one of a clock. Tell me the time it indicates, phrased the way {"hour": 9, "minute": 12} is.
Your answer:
{"hour": 6, "minute": 44}
